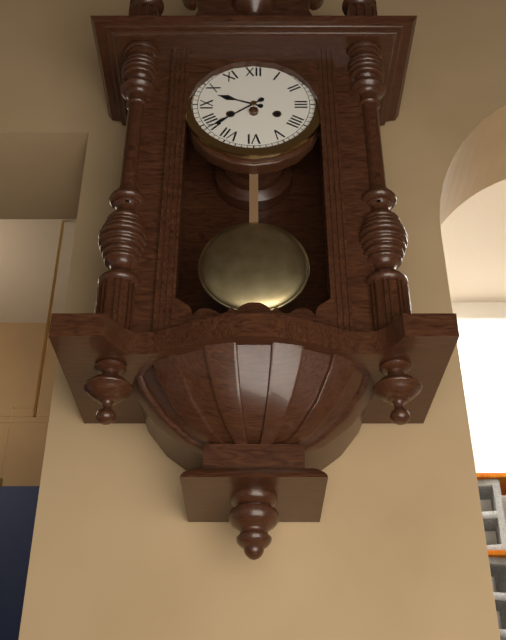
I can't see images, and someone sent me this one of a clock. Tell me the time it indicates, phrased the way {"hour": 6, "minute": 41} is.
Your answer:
{"hour": 9, "minute": 39}
